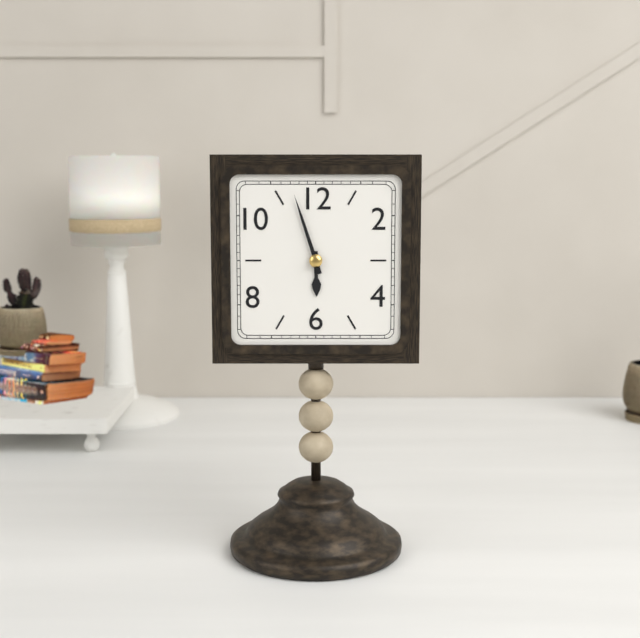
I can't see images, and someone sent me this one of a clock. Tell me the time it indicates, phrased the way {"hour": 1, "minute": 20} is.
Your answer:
{"hour": 5, "minute": 57}
